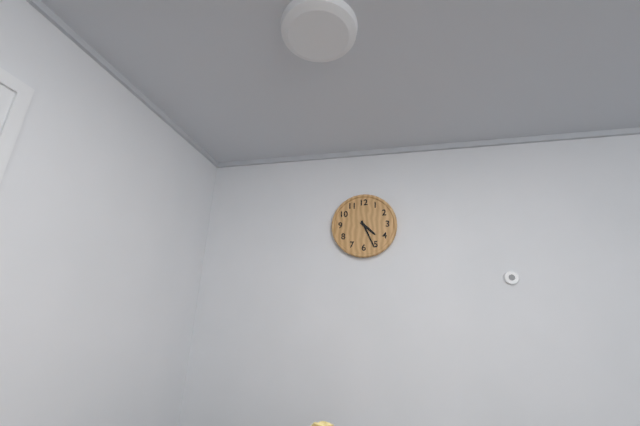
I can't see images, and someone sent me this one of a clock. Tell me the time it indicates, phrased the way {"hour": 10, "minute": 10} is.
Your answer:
{"hour": 4, "minute": 26}
